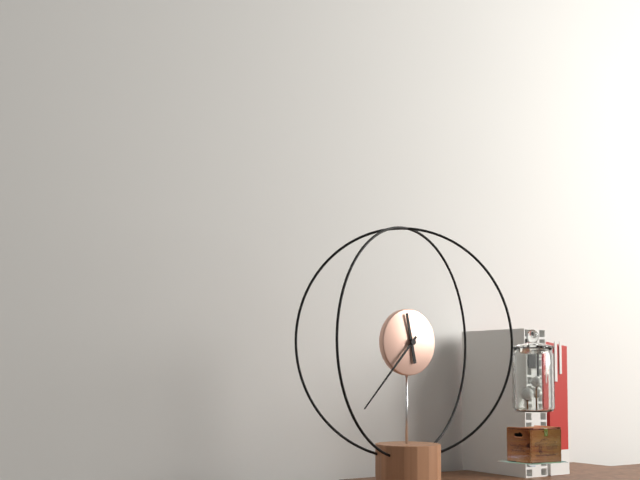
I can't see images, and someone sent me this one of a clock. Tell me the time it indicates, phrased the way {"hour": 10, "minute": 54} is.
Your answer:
{"hour": 11, "minute": 37}
